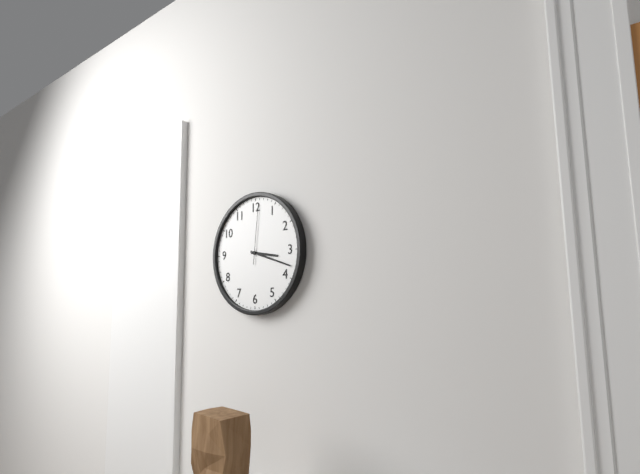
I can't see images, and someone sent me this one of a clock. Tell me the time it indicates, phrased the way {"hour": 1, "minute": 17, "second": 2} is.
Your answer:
{"hour": 3, "minute": 18, "second": 1}
